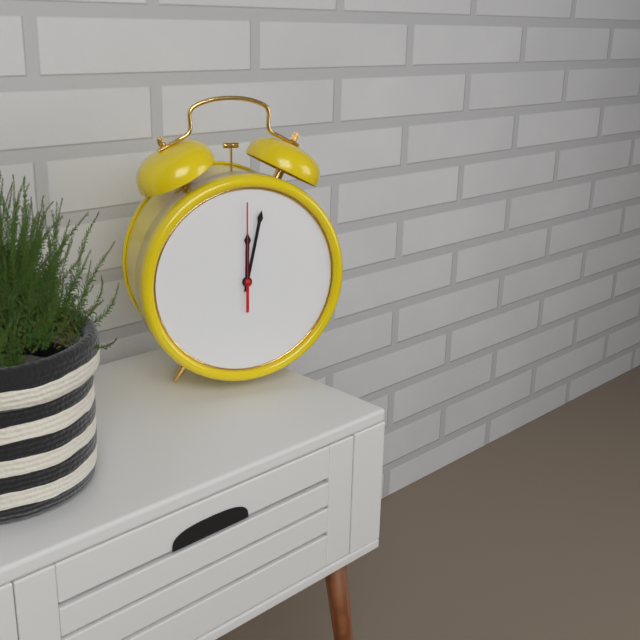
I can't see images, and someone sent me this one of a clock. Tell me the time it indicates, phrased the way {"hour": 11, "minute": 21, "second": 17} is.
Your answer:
{"hour": 12, "minute": 2, "second": 0}
